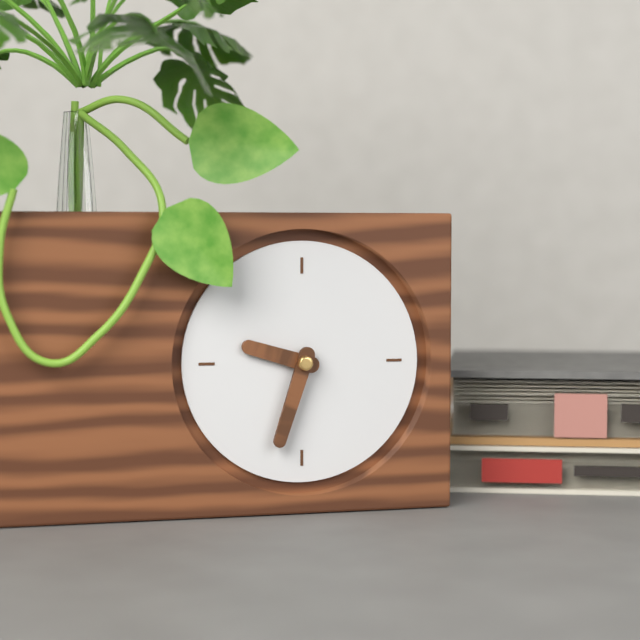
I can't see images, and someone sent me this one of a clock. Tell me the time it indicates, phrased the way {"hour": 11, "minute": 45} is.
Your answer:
{"hour": 9, "minute": 33}
